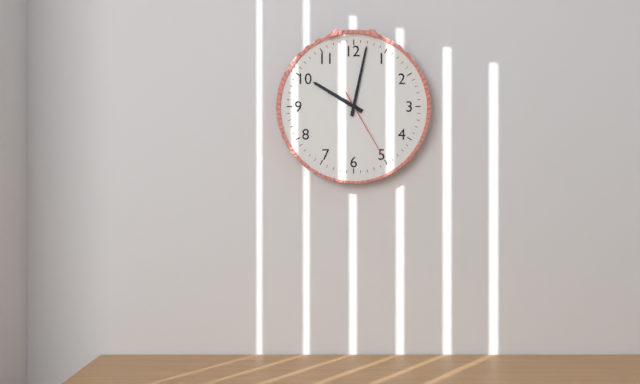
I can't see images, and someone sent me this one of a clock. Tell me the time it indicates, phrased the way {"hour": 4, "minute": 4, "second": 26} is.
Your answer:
{"hour": 10, "minute": 2, "second": 25}
